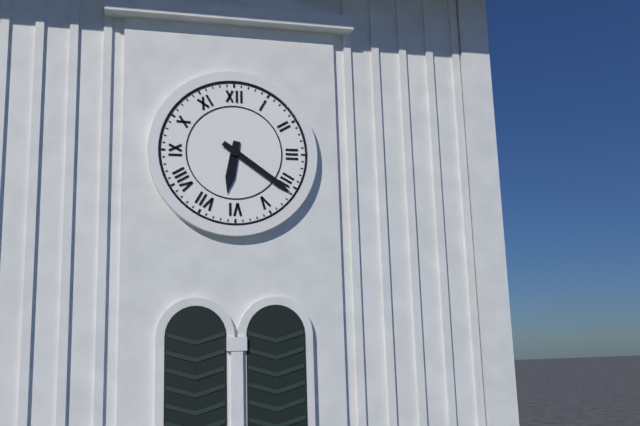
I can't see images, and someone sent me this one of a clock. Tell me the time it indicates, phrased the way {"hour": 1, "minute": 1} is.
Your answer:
{"hour": 6, "minute": 21}
